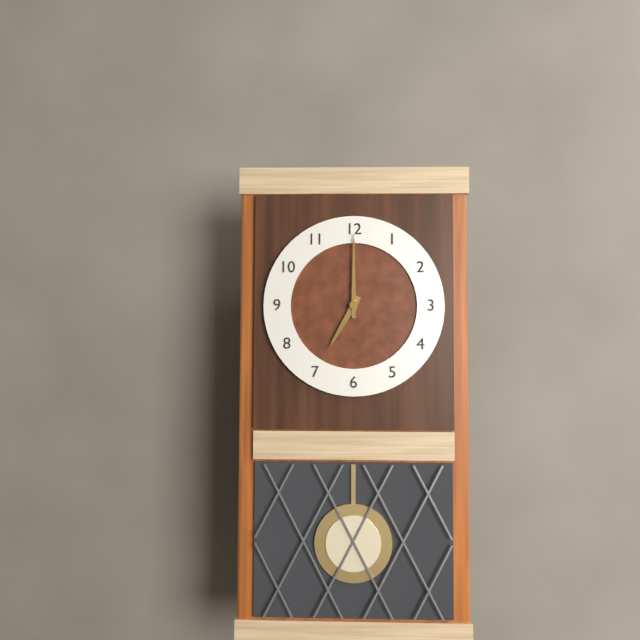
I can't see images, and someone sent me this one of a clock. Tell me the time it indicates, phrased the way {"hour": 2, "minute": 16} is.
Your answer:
{"hour": 7, "minute": 0}
